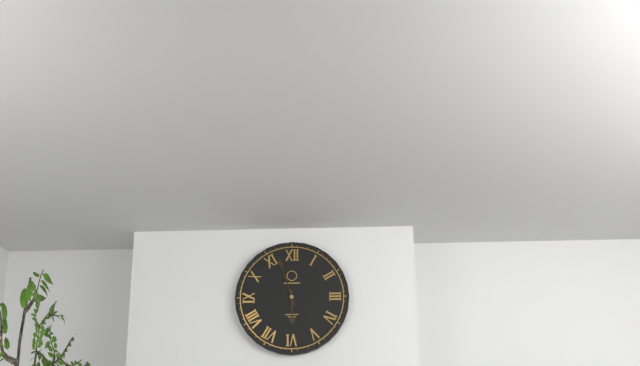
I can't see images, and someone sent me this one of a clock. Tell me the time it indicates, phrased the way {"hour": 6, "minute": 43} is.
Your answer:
{"hour": 5, "minute": 57}
